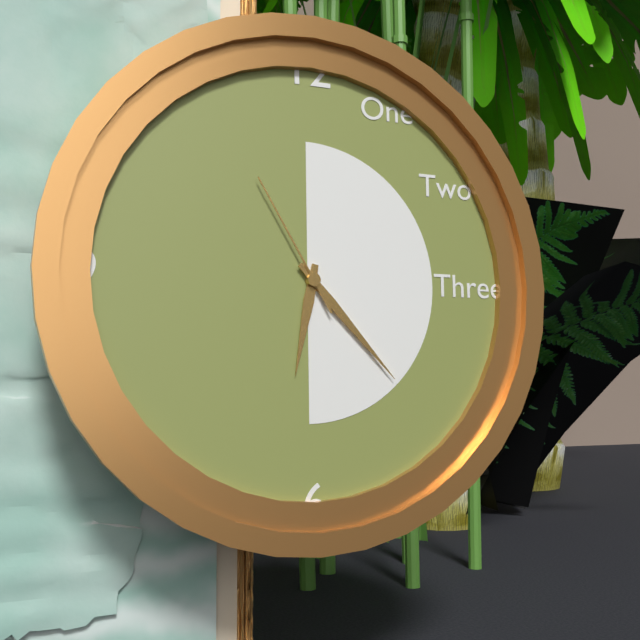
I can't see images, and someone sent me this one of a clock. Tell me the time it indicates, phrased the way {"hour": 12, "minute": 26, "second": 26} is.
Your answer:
{"hour": 6, "minute": 23, "second": 55}
